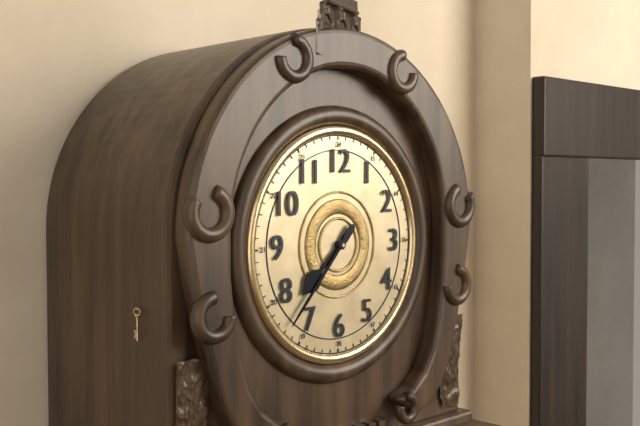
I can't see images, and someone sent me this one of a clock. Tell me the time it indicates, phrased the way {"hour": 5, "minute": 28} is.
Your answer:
{"hour": 7, "minute": 37}
